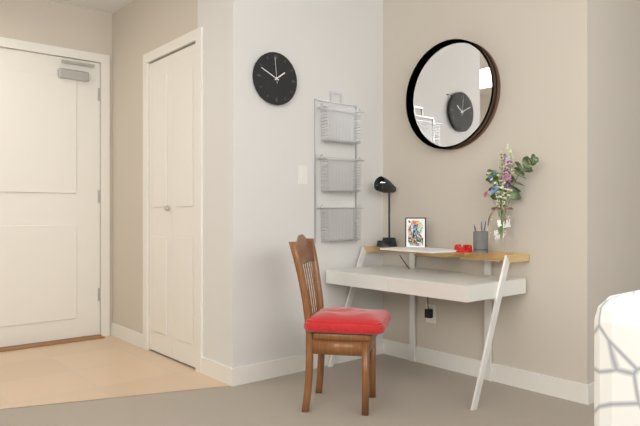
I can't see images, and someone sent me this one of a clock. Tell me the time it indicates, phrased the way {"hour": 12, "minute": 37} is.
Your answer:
{"hour": 1, "minute": 49}
